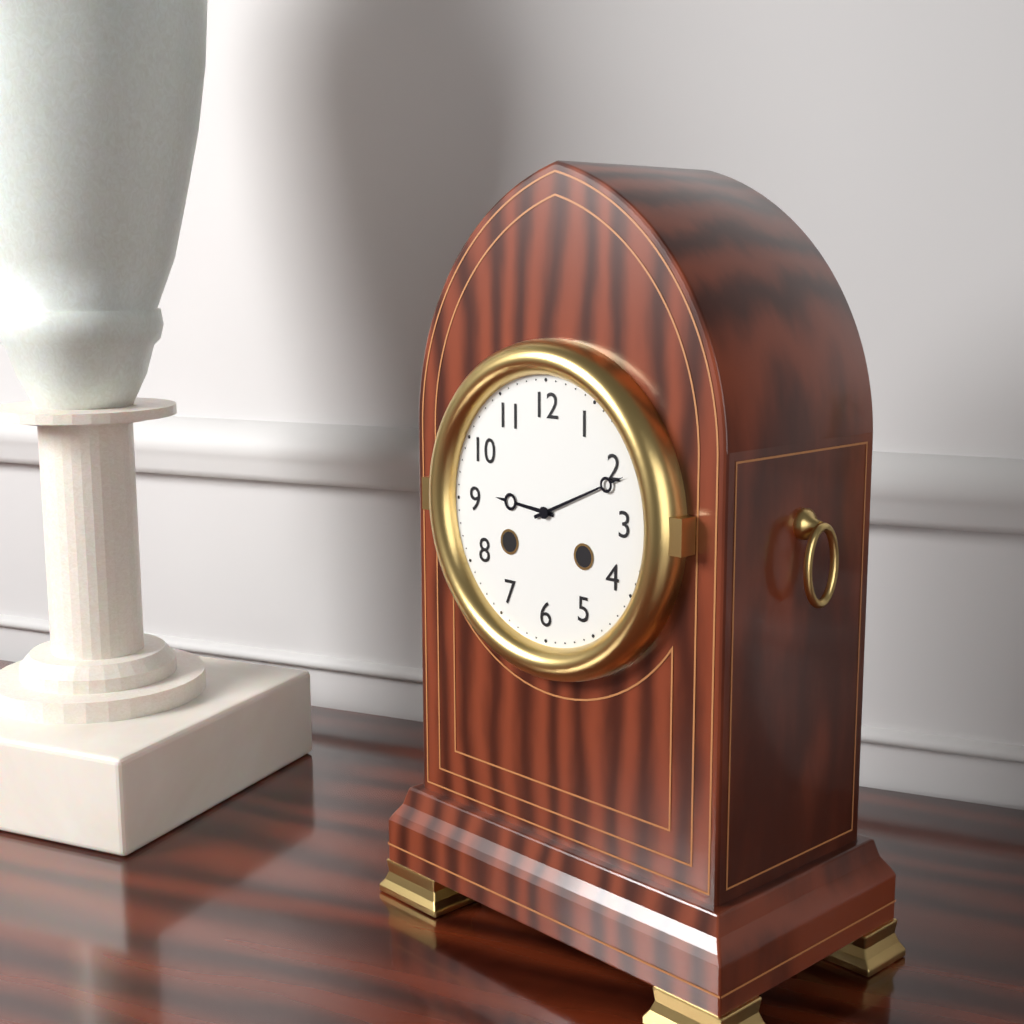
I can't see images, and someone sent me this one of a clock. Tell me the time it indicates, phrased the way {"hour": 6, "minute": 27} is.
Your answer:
{"hour": 9, "minute": 11}
